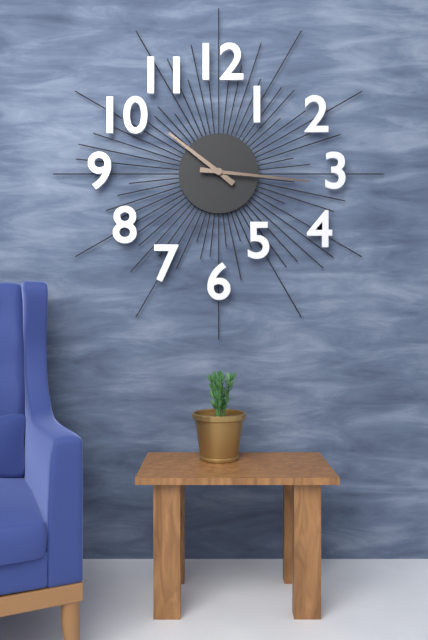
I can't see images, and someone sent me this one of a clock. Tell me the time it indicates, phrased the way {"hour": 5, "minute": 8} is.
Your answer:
{"hour": 10, "minute": 16}
